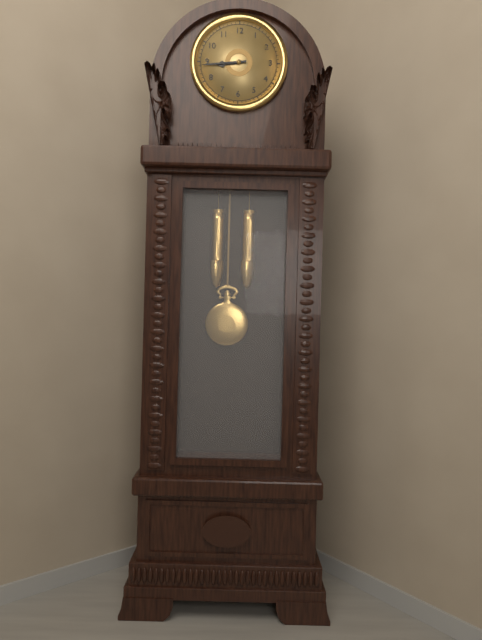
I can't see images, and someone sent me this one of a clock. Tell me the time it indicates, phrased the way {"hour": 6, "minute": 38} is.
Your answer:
{"hour": 8, "minute": 44}
